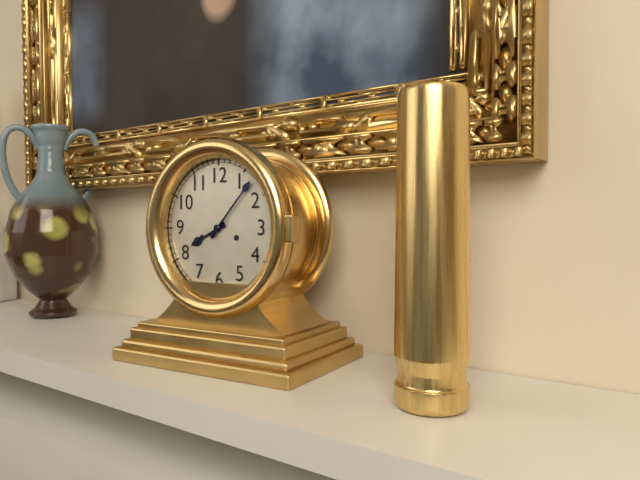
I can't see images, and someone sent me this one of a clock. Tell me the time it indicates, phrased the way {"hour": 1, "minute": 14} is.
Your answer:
{"hour": 8, "minute": 7}
